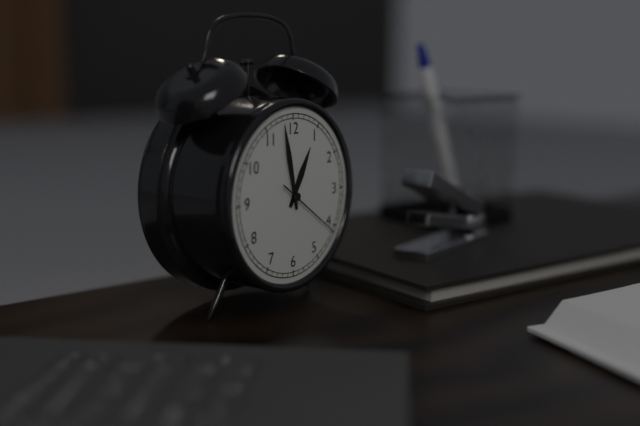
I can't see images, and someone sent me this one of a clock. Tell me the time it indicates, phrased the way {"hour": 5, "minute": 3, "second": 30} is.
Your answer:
{"hour": 12, "minute": 58, "second": 21}
